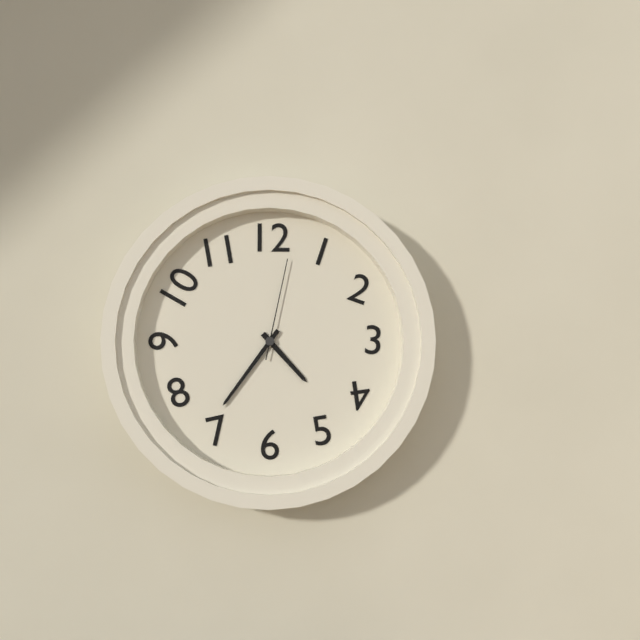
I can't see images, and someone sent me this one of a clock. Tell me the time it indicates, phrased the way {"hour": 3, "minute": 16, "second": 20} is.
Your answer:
{"hour": 4, "minute": 36, "second": 2}
